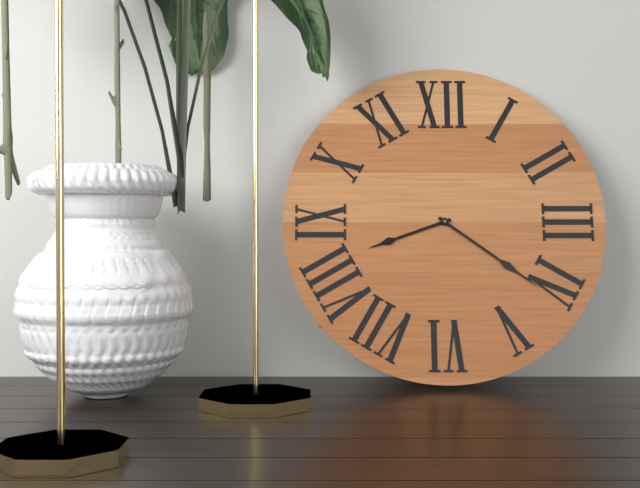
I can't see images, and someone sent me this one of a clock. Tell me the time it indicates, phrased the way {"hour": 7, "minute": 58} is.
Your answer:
{"hour": 8, "minute": 21}
